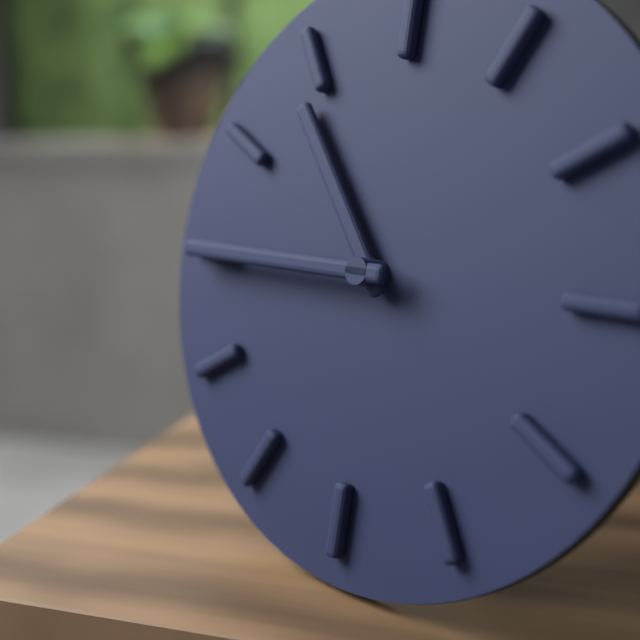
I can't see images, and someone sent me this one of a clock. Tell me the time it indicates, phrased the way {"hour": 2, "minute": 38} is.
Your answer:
{"hour": 10, "minute": 45}
